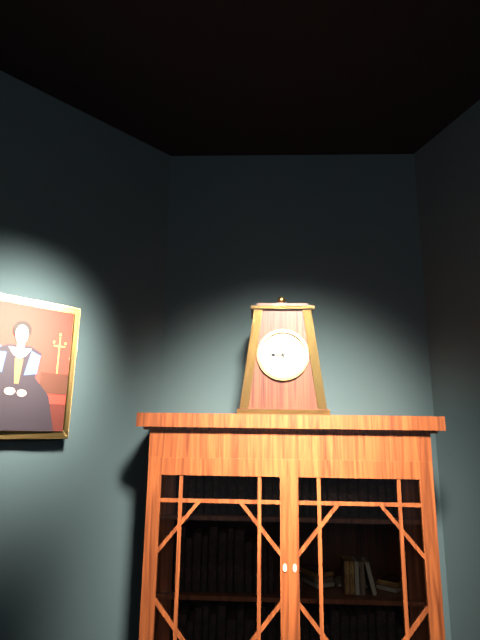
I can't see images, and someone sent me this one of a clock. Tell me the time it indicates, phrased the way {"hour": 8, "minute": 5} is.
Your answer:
{"hour": 8, "minute": 57}
